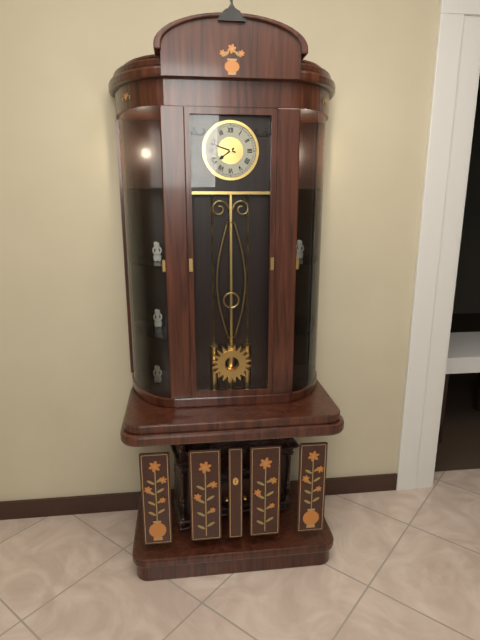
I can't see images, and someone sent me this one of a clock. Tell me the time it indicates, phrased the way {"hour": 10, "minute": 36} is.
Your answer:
{"hour": 7, "minute": 48}
